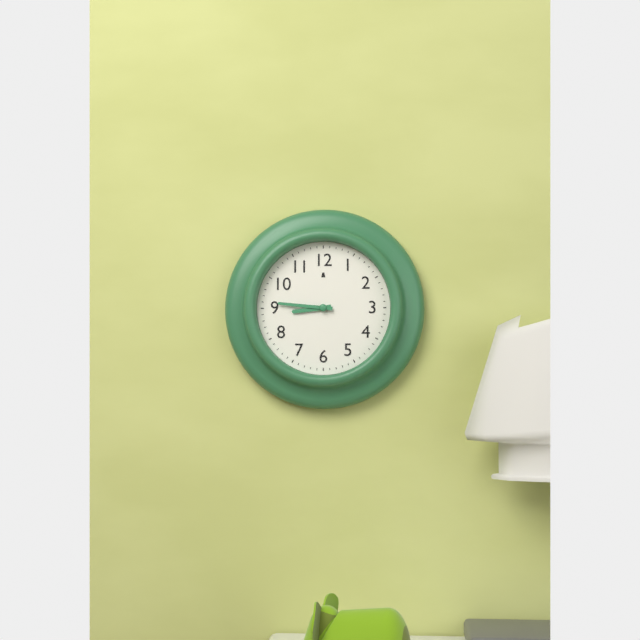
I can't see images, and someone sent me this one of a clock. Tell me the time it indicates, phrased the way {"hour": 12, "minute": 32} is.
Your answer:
{"hour": 8, "minute": 46}
